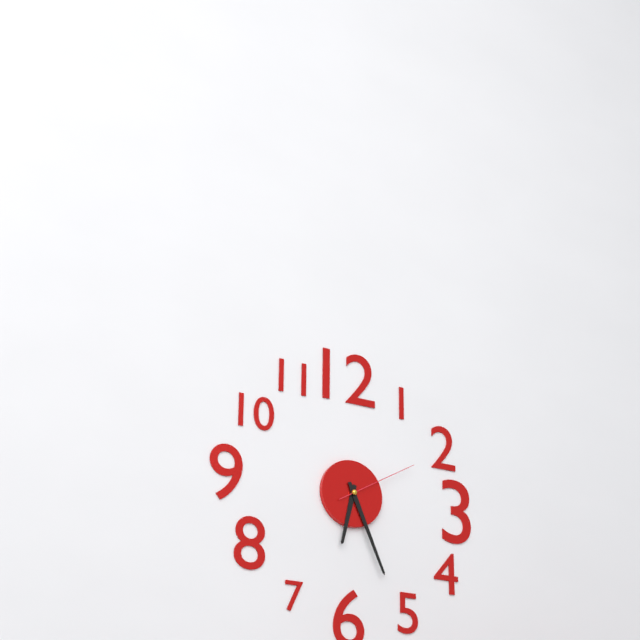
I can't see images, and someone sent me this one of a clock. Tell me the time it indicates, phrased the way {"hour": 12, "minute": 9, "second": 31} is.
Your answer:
{"hour": 6, "minute": 26, "second": 10}
